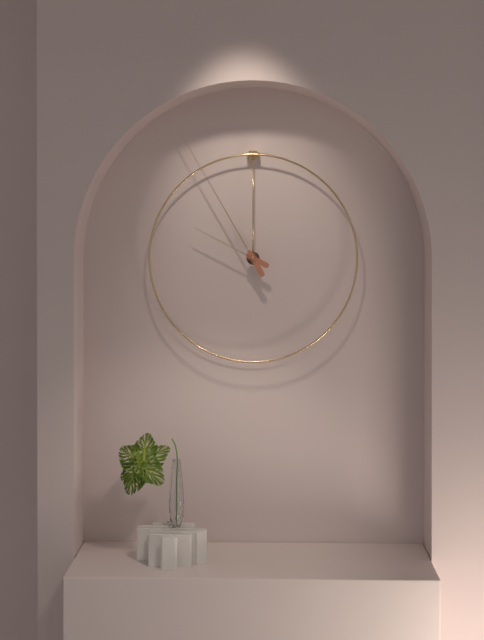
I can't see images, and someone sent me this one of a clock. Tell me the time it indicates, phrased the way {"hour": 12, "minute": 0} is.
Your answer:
{"hour": 9, "minute": 55}
